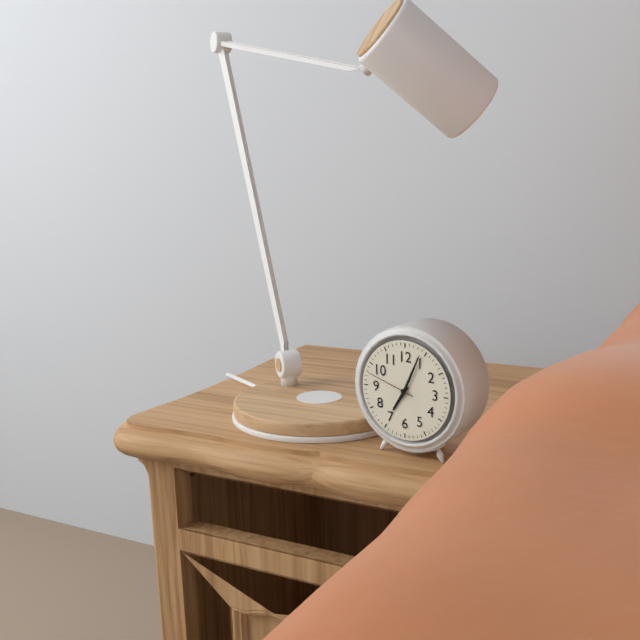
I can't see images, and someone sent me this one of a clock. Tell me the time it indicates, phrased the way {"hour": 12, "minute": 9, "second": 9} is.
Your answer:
{"hour": 7, "minute": 4, "second": 48}
